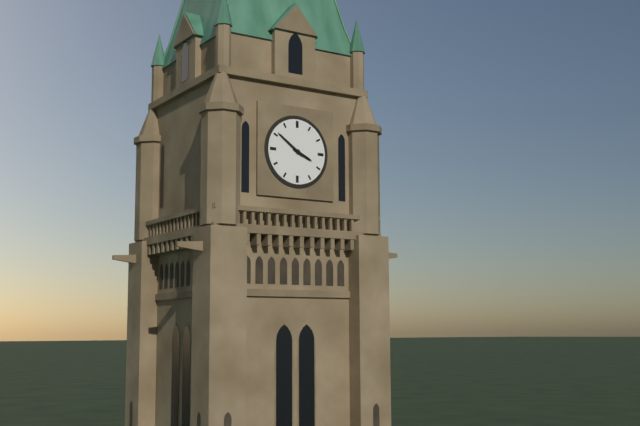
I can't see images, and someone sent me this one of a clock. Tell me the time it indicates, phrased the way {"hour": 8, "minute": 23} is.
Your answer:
{"hour": 3, "minute": 51}
